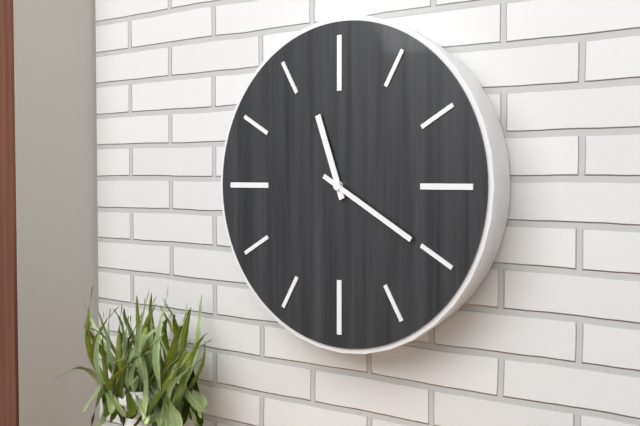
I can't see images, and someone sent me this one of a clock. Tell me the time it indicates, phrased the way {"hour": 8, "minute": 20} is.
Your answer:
{"hour": 11, "minute": 20}
